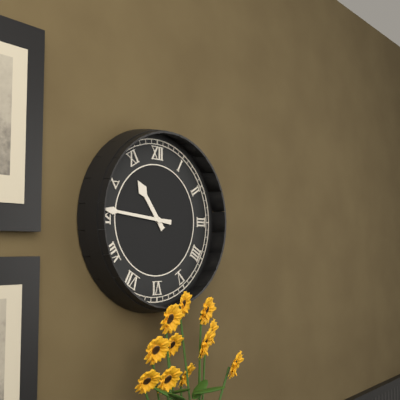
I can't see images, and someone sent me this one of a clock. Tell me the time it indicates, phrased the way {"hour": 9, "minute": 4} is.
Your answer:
{"hour": 10, "minute": 46}
